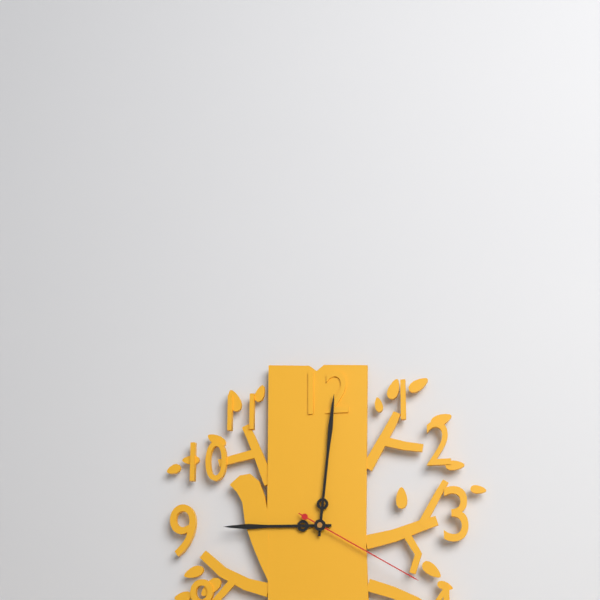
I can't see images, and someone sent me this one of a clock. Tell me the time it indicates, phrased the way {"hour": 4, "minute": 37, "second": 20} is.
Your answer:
{"hour": 9, "minute": 1, "second": 20}
